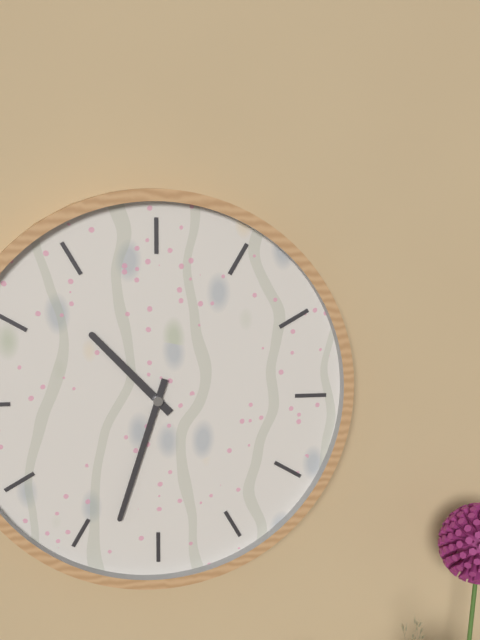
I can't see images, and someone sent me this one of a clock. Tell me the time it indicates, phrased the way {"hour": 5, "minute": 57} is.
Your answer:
{"hour": 10, "minute": 33}
